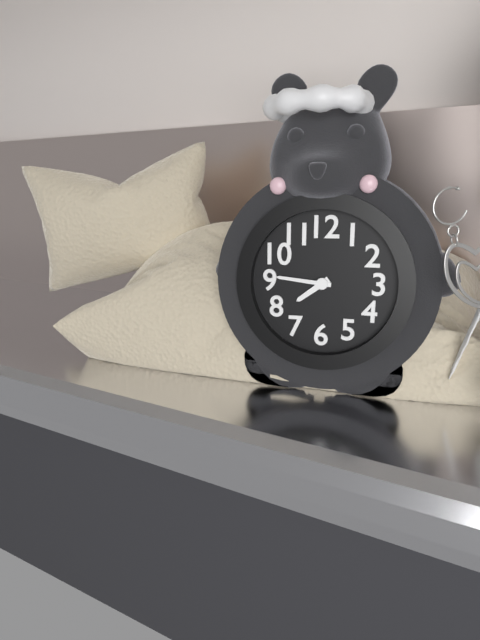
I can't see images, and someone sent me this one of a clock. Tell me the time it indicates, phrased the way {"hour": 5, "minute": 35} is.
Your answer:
{"hour": 7, "minute": 46}
